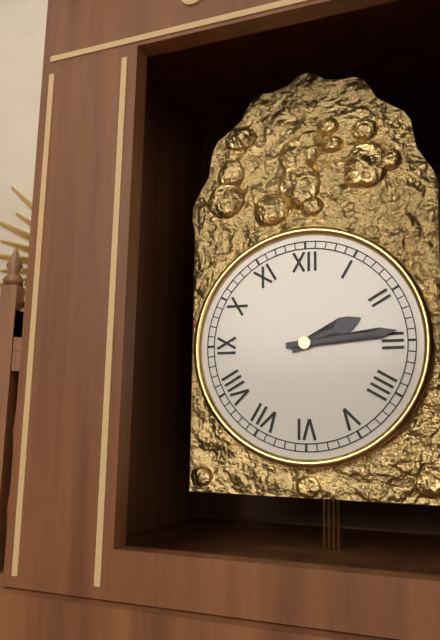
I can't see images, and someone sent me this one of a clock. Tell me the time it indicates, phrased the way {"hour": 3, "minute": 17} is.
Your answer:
{"hour": 2, "minute": 14}
